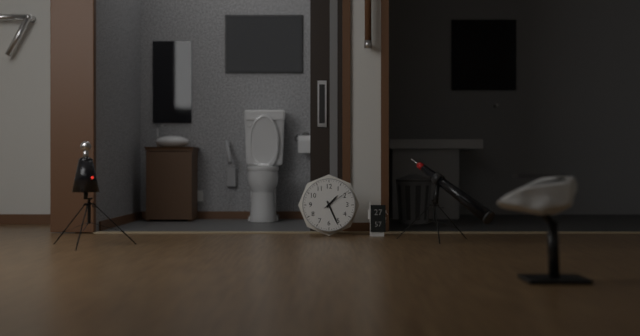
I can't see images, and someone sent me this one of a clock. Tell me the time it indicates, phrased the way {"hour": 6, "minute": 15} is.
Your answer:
{"hour": 1, "minute": 26}
